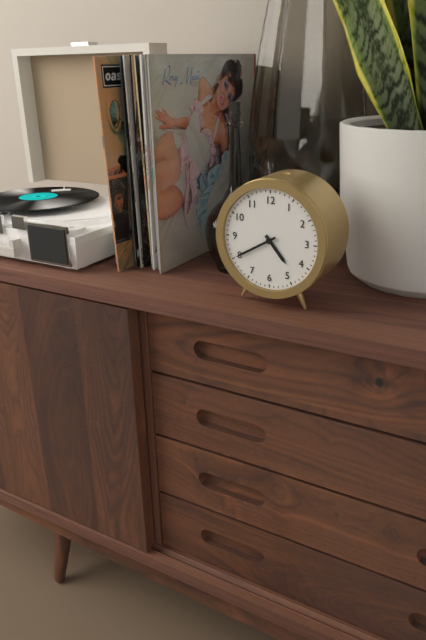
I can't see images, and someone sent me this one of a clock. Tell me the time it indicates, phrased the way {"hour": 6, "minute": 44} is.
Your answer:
{"hour": 4, "minute": 40}
